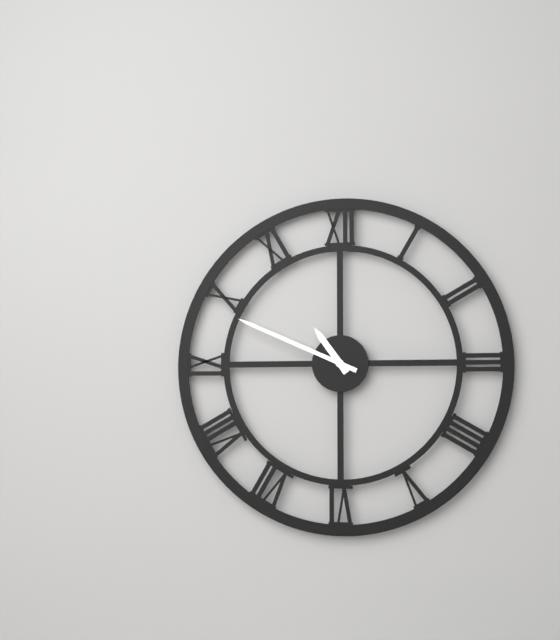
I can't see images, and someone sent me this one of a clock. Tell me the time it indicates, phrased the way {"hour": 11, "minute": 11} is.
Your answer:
{"hour": 10, "minute": 49}
